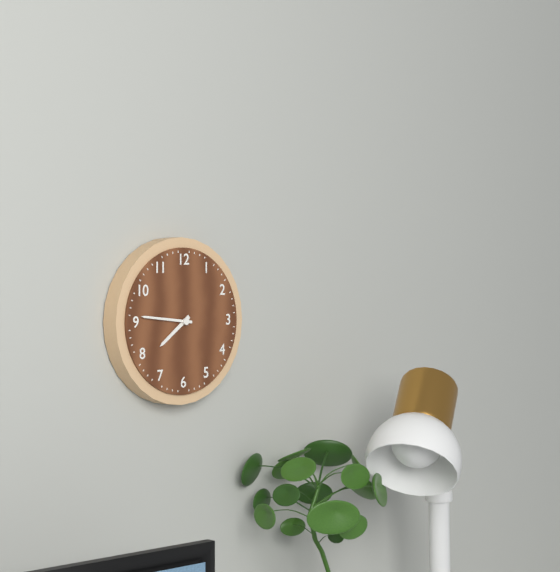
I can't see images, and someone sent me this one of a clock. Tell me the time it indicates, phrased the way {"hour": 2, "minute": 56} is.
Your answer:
{"hour": 7, "minute": 46}
